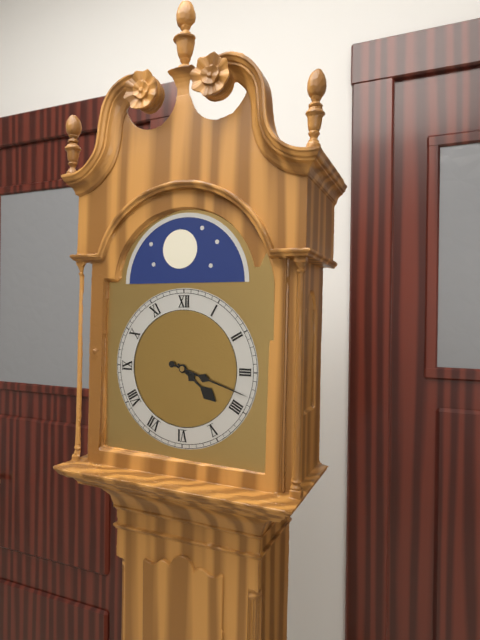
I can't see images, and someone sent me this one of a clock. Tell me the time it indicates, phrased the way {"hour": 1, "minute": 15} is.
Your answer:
{"hour": 4, "minute": 18}
